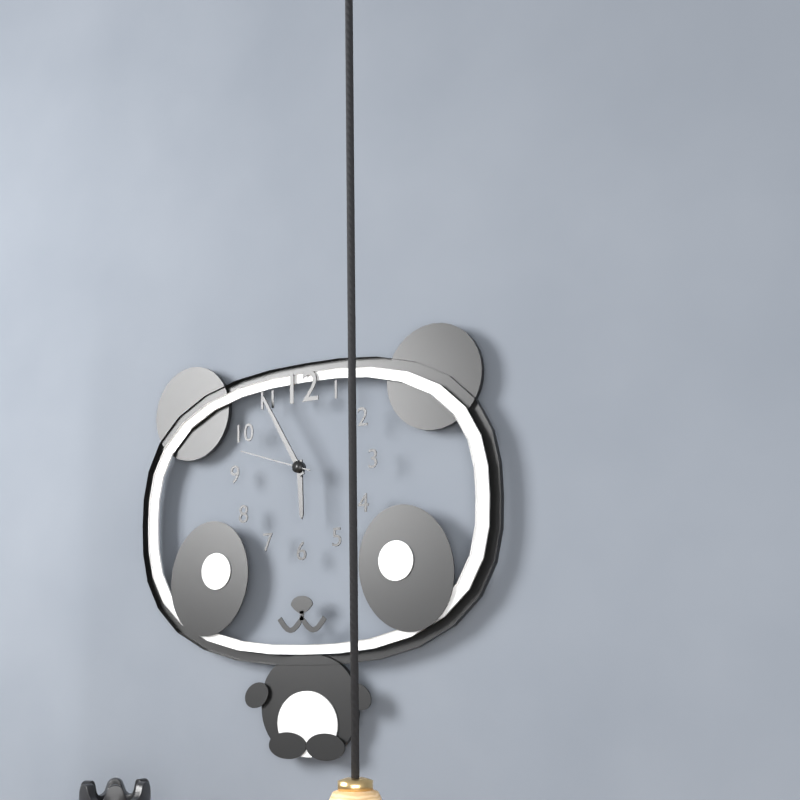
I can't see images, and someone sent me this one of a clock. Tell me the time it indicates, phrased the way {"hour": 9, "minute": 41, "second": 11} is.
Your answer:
{"hour": 5, "minute": 55, "second": 48}
